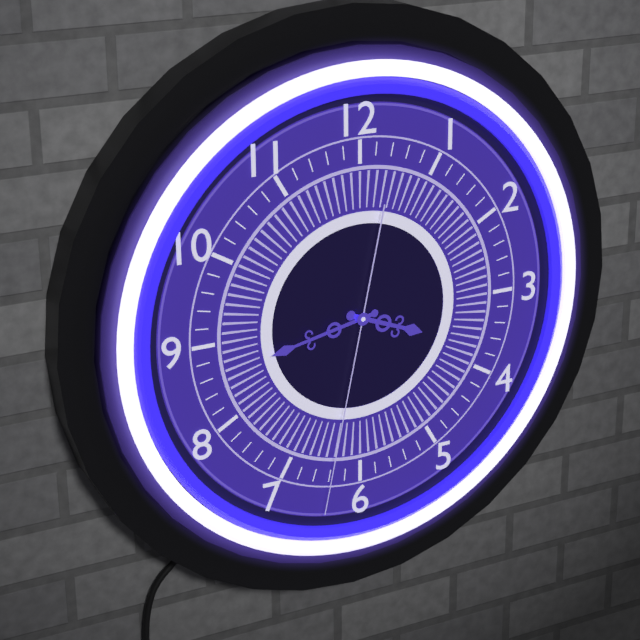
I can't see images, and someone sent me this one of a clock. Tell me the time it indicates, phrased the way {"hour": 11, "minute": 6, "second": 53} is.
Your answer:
{"hour": 3, "minute": 43, "second": 32}
